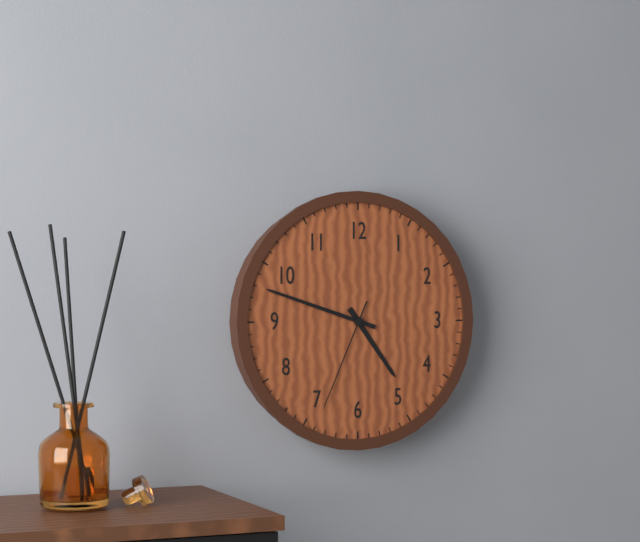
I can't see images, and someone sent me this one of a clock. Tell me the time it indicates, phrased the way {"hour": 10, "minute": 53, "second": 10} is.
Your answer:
{"hour": 4, "minute": 48, "second": 34}
